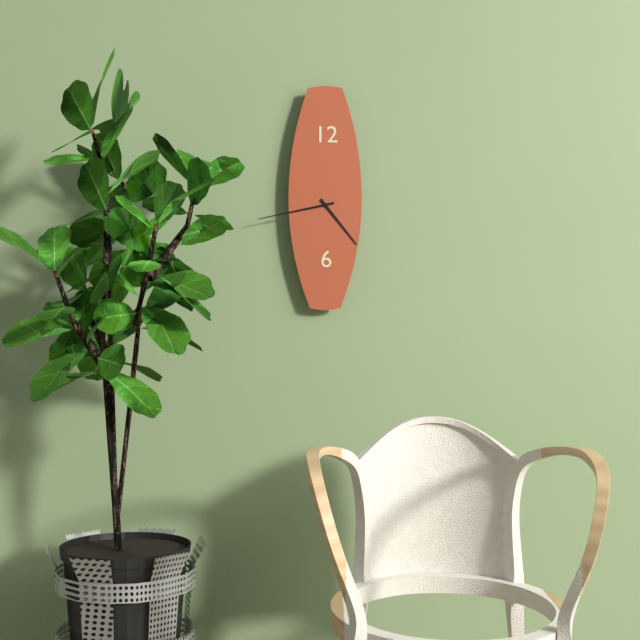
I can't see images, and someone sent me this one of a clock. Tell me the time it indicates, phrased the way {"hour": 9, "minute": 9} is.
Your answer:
{"hour": 4, "minute": 43}
